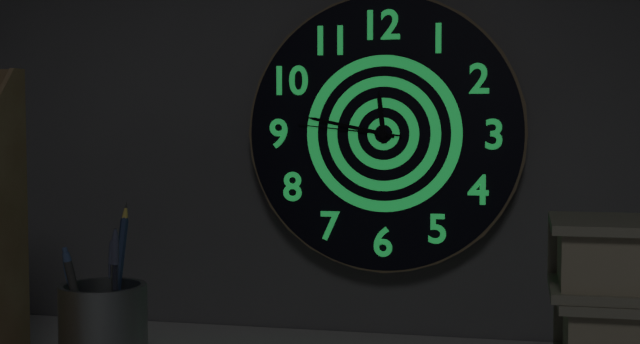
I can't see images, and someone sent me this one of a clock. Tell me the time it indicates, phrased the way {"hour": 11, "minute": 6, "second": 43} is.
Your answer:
{"hour": 11, "minute": 47, "second": 46}
